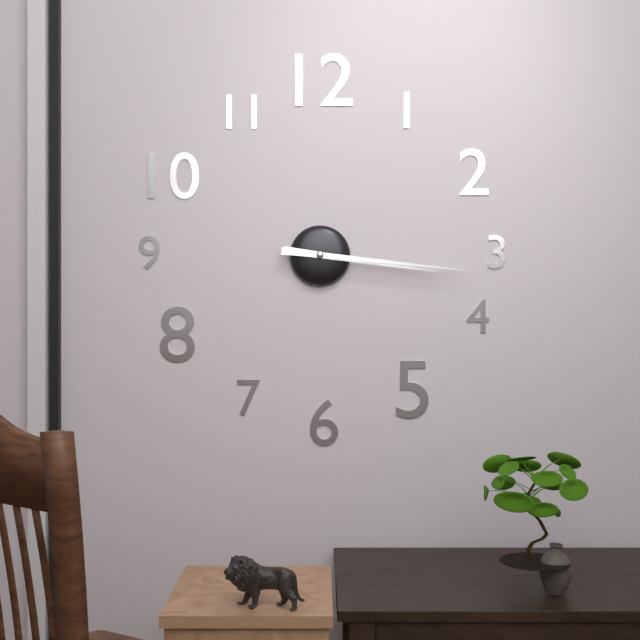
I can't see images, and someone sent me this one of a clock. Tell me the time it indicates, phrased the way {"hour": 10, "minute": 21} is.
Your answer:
{"hour": 3, "minute": 16}
